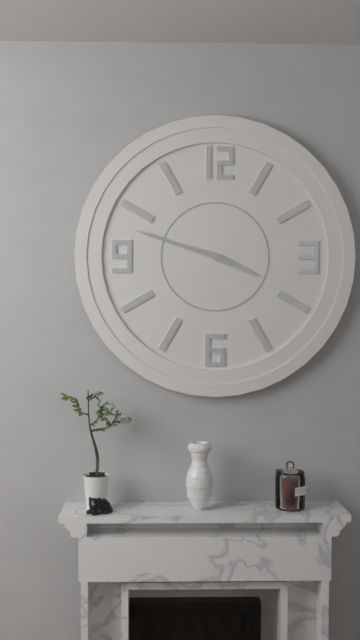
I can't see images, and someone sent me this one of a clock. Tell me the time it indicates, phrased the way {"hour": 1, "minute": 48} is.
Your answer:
{"hour": 3, "minute": 48}
